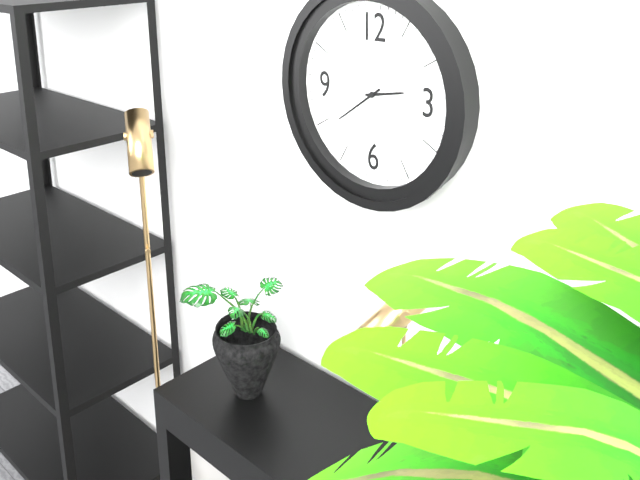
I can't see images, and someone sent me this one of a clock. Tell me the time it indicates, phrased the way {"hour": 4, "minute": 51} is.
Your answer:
{"hour": 2, "minute": 39}
